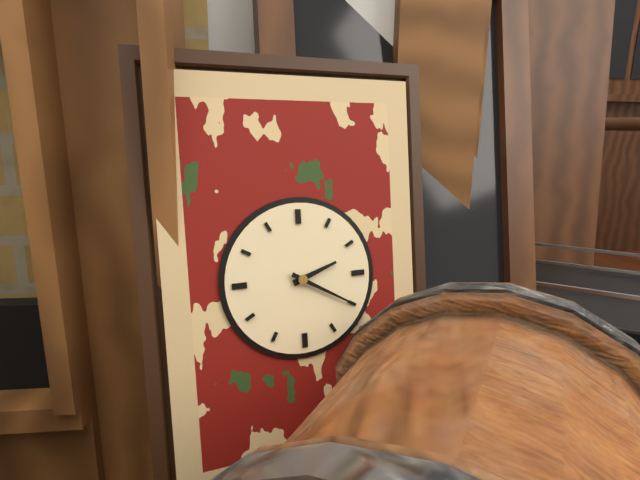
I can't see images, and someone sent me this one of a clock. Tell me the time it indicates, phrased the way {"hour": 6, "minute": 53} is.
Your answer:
{"hour": 2, "minute": 20}
